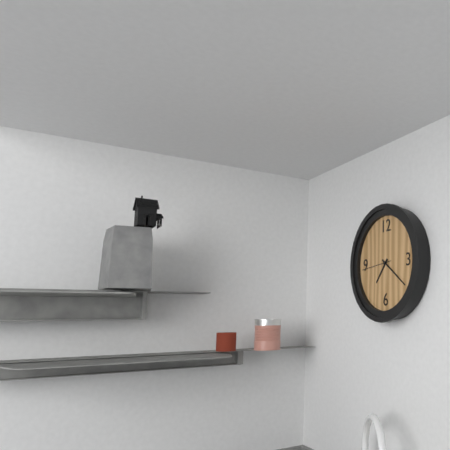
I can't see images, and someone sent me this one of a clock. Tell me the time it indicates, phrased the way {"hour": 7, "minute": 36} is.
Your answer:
{"hour": 7, "minute": 21}
